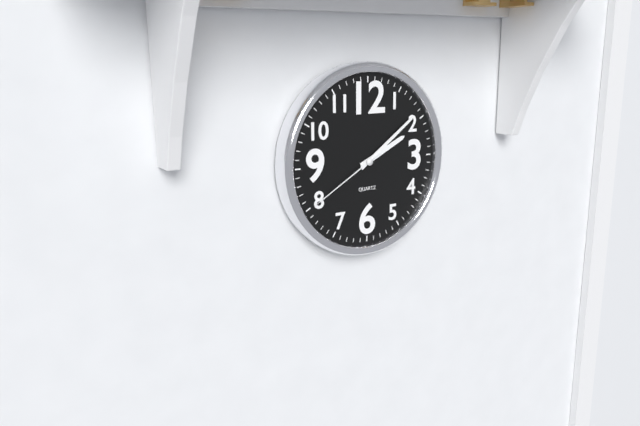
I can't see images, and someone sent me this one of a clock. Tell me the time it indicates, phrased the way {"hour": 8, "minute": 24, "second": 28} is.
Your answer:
{"hour": 2, "minute": 9, "second": 40}
